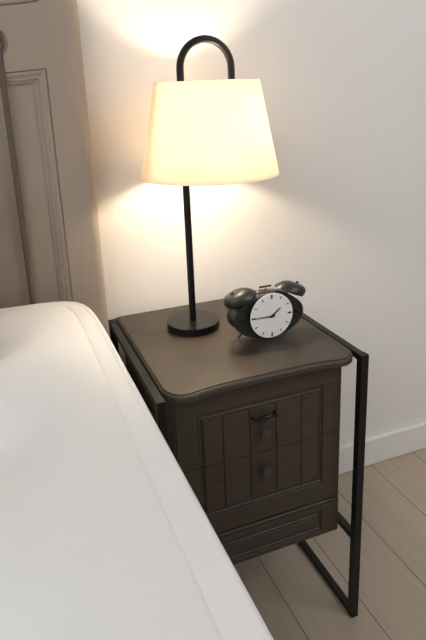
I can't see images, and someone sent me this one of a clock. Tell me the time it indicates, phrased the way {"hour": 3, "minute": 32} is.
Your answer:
{"hour": 1, "minute": 45}
